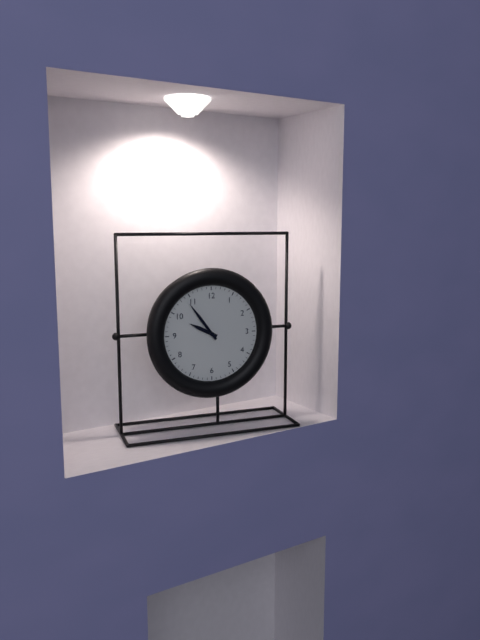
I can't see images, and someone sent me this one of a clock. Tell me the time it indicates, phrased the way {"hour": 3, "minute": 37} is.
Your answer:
{"hour": 9, "minute": 54}
